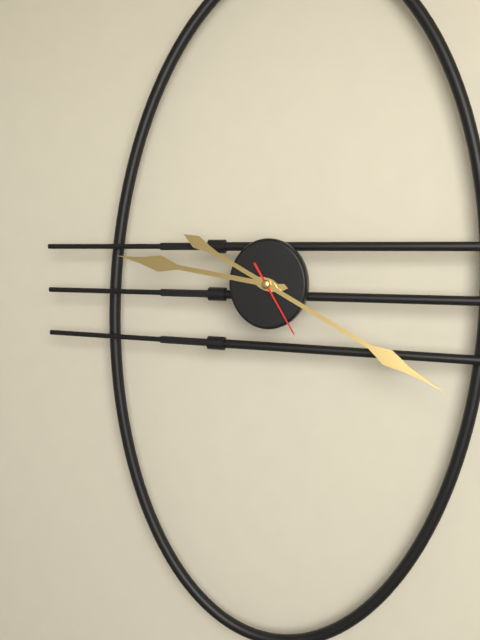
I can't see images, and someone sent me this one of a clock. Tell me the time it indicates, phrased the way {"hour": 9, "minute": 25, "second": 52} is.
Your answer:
{"hour": 9, "minute": 20, "second": 25}
